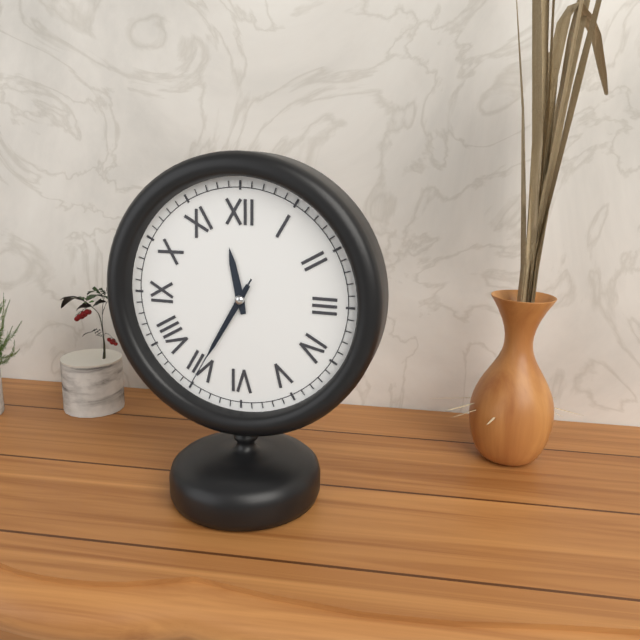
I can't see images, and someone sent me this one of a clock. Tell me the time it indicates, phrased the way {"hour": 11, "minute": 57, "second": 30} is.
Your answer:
{"hour": 11, "minute": 35, "second": 35}
